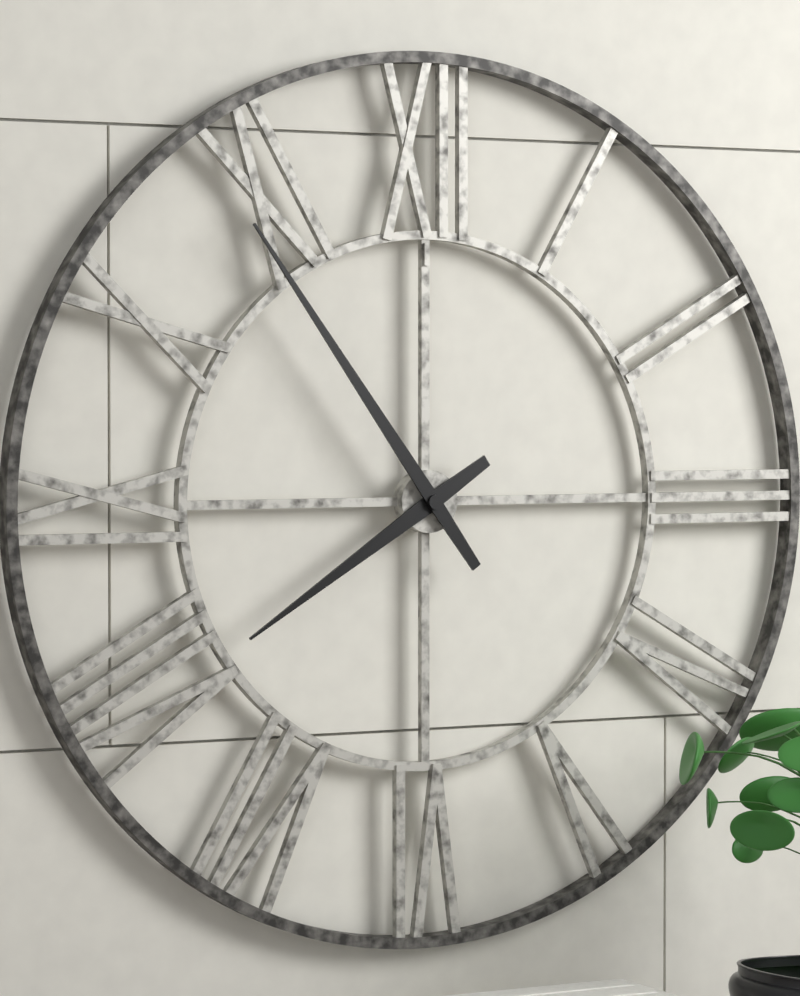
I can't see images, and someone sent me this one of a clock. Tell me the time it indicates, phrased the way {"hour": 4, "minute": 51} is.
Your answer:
{"hour": 7, "minute": 54}
